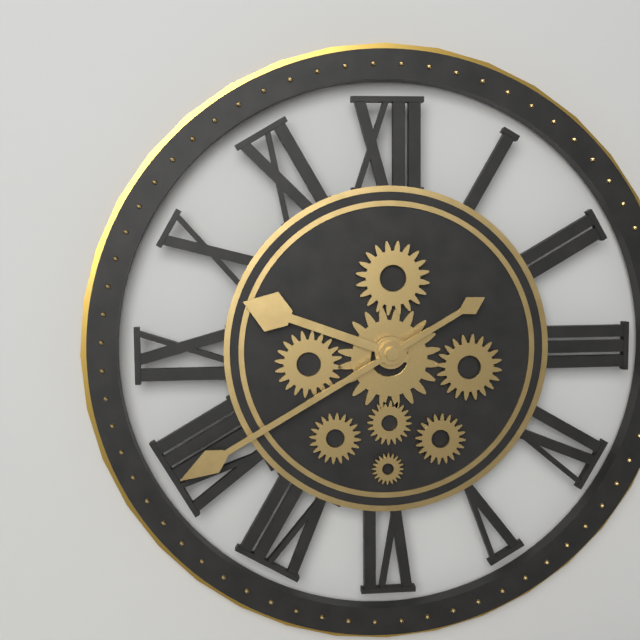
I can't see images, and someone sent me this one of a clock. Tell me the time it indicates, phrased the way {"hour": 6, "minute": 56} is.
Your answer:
{"hour": 9, "minute": 40}
